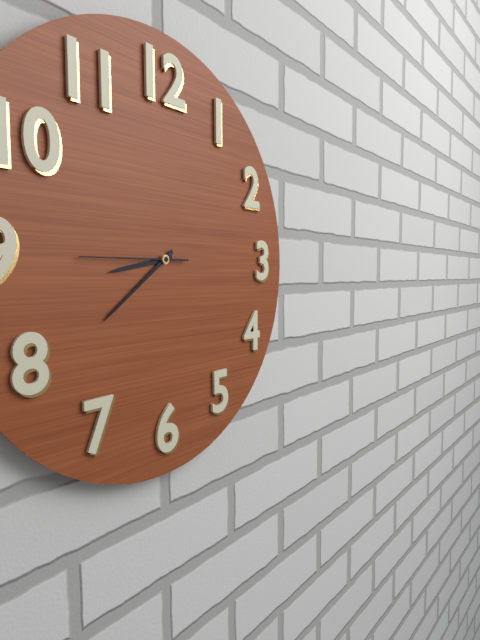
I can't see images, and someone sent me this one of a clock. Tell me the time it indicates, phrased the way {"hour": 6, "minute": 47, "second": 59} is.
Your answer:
{"hour": 8, "minute": 39, "second": 45}
